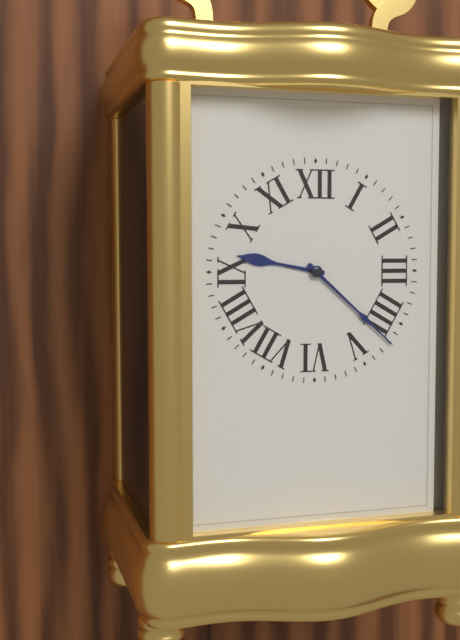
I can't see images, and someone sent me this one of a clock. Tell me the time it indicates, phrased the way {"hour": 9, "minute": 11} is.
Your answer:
{"hour": 9, "minute": 22}
